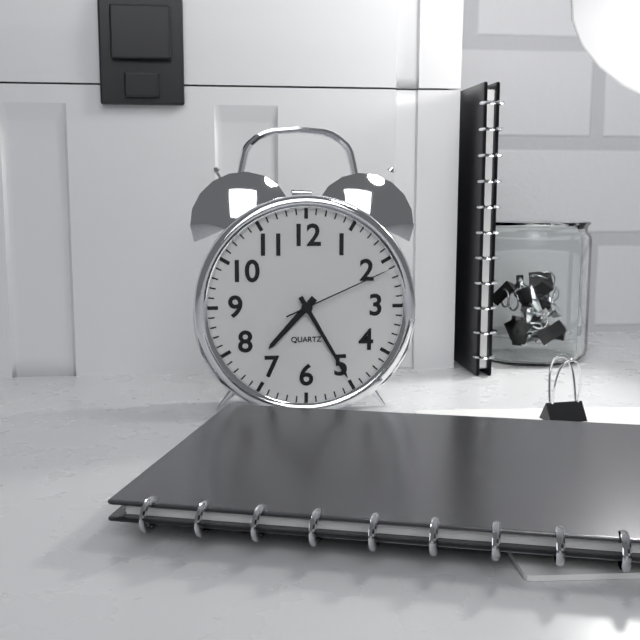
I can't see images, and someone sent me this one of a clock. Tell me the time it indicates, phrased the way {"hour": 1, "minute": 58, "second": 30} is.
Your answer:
{"hour": 7, "minute": 25, "second": 11}
